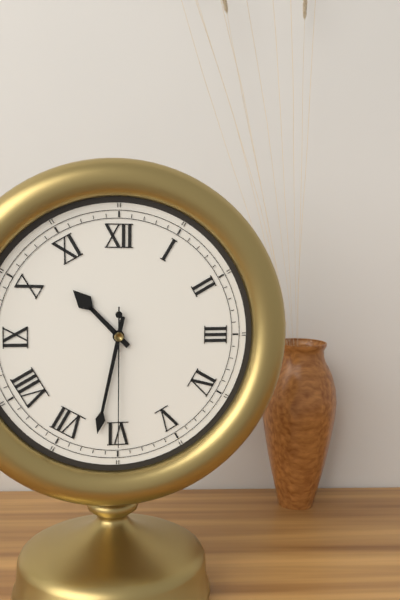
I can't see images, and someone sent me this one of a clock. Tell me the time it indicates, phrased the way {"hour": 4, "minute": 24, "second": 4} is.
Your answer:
{"hour": 10, "minute": 32, "second": 30}
